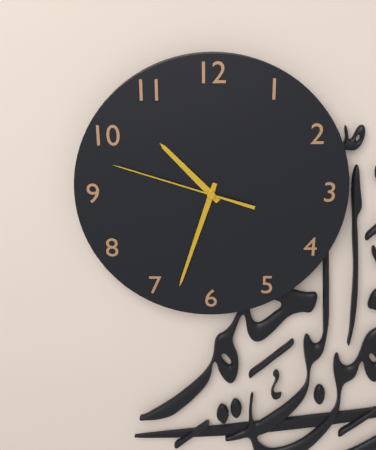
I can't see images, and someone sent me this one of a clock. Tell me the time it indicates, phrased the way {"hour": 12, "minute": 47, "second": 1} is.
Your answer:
{"hour": 10, "minute": 33, "second": 48}
